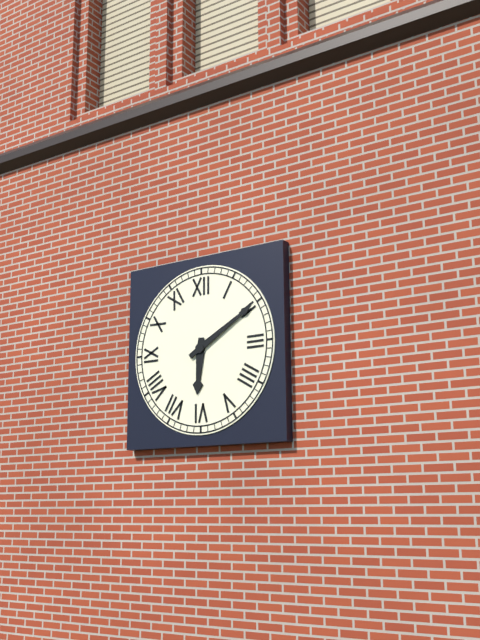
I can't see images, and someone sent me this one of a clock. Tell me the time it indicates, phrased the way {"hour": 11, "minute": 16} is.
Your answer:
{"hour": 6, "minute": 10}
